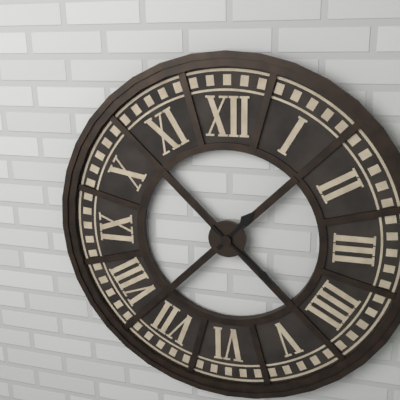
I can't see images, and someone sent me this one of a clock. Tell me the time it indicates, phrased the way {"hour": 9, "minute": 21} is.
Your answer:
{"hour": 1, "minute": 22}
